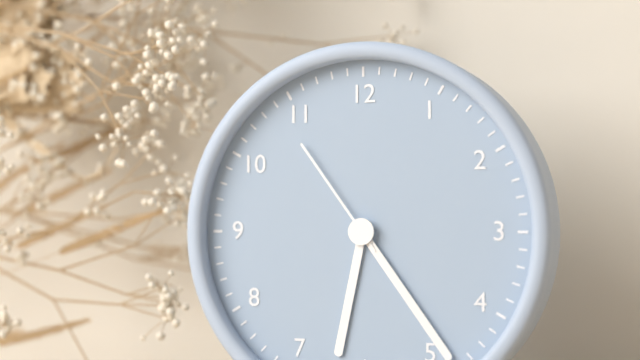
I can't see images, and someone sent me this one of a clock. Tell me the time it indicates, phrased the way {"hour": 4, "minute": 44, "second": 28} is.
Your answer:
{"hour": 6, "minute": 24, "second": 54}
